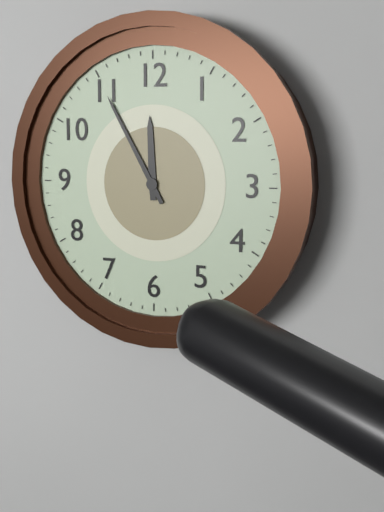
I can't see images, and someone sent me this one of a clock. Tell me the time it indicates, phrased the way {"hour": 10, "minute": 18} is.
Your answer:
{"hour": 11, "minute": 55}
